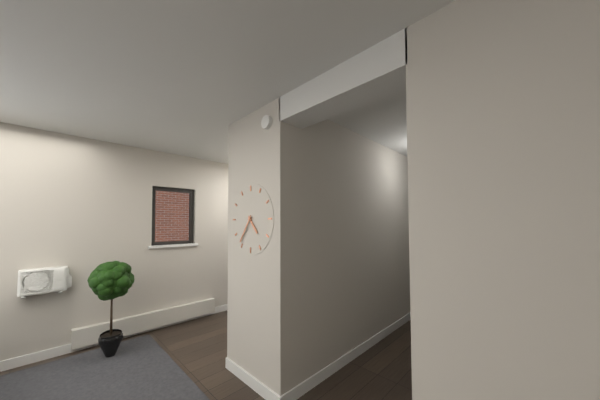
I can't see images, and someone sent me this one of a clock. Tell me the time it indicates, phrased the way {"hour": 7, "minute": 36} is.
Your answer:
{"hour": 4, "minute": 36}
